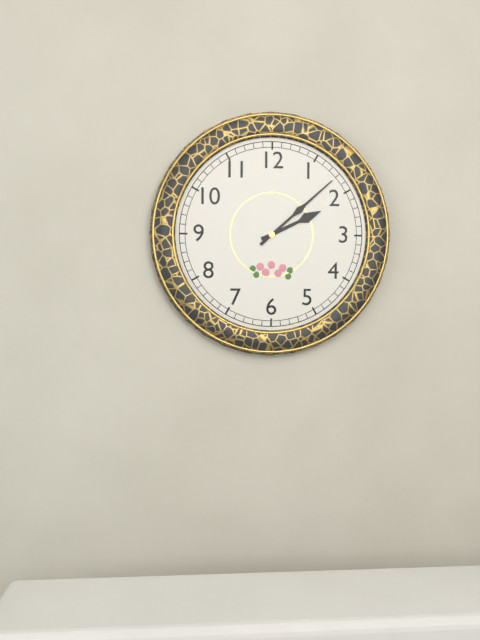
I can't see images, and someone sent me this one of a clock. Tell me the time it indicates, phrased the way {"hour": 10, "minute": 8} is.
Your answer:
{"hour": 2, "minute": 8}
